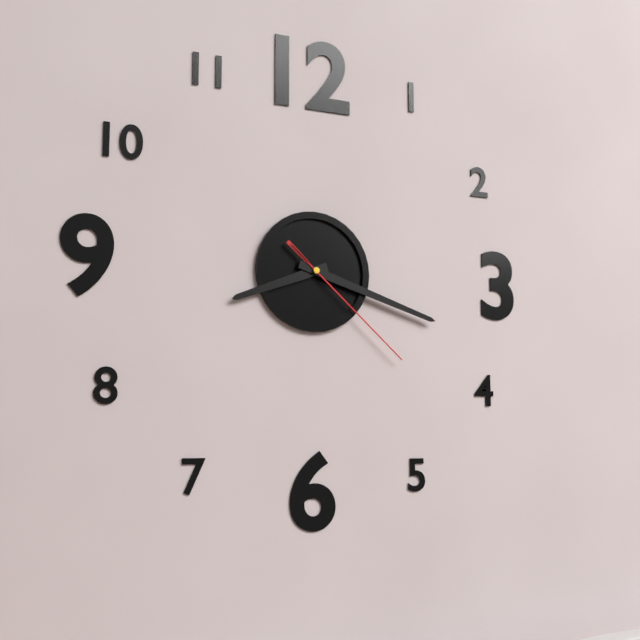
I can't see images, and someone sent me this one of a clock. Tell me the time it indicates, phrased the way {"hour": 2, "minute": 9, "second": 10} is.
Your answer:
{"hour": 8, "minute": 18, "second": 22}
